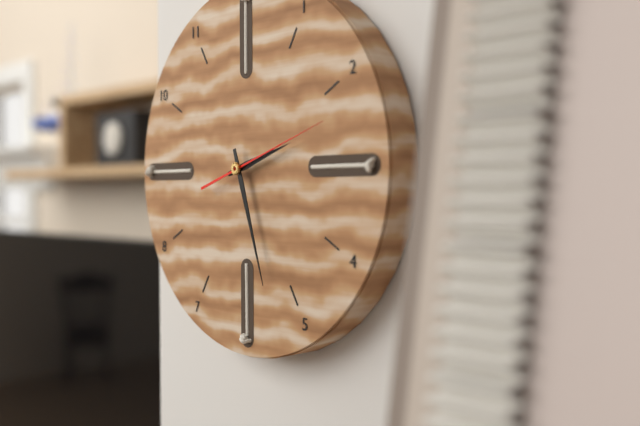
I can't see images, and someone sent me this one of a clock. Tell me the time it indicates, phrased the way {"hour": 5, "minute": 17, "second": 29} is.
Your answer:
{"hour": 2, "minute": 27, "second": 12}
